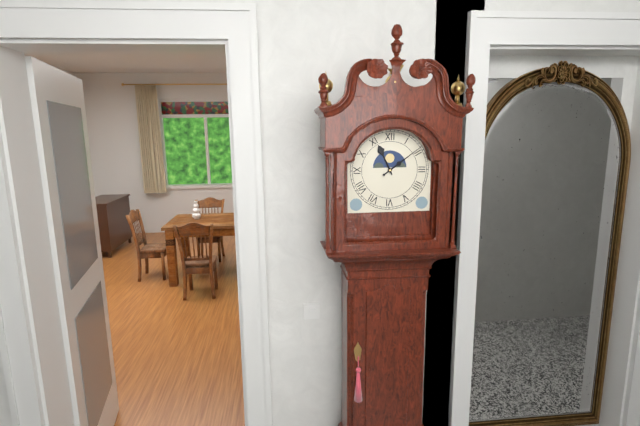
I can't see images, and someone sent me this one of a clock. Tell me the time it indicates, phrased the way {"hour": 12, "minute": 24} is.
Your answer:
{"hour": 11, "minute": 9}
